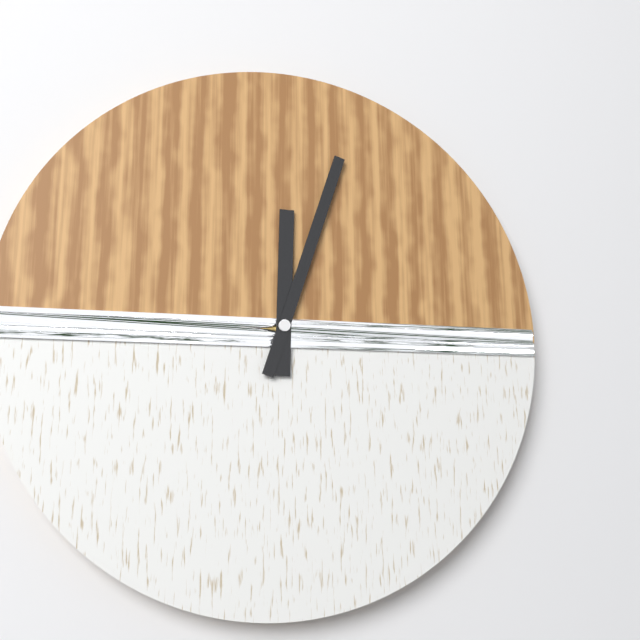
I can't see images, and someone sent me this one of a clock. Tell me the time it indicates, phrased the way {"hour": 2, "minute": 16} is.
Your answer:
{"hour": 12, "minute": 3}
